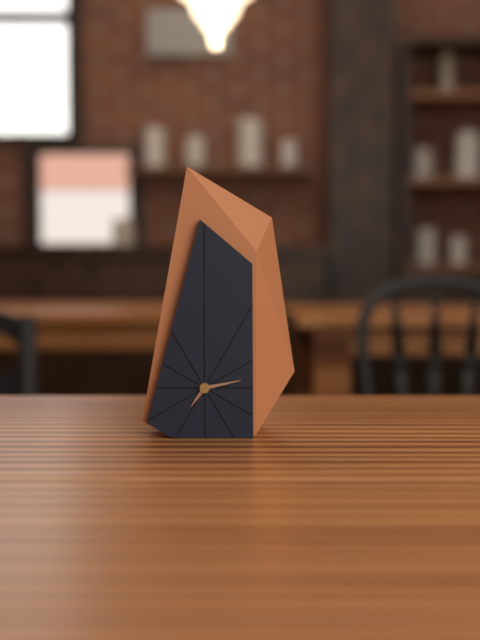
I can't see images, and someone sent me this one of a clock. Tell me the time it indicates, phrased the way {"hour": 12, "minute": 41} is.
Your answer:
{"hour": 7, "minute": 13}
